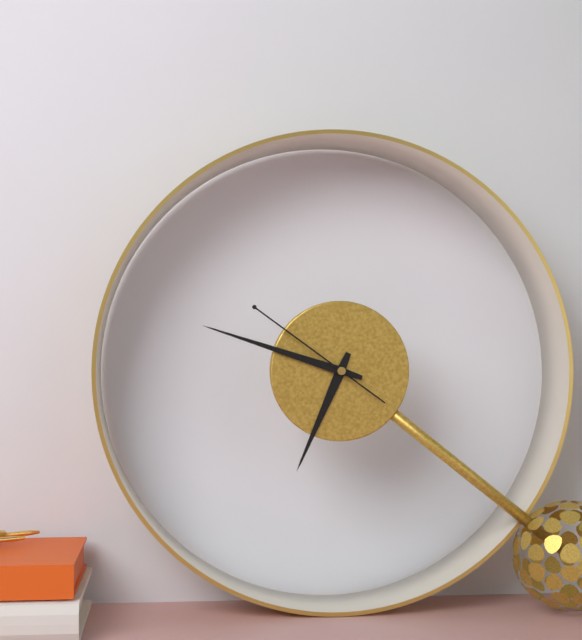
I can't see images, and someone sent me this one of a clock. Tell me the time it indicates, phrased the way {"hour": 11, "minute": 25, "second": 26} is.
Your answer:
{"hour": 6, "minute": 48, "second": 51}
